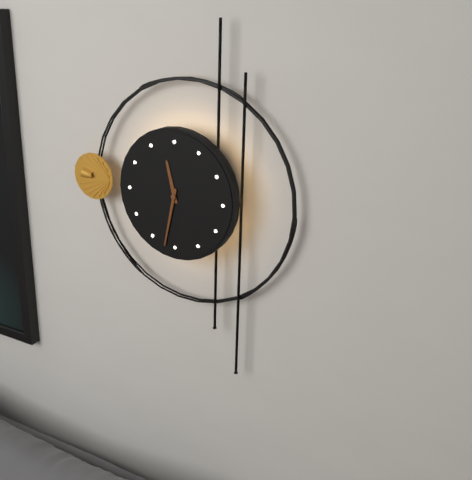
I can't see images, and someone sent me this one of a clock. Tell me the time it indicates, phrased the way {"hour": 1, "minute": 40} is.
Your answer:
{"hour": 11, "minute": 32}
